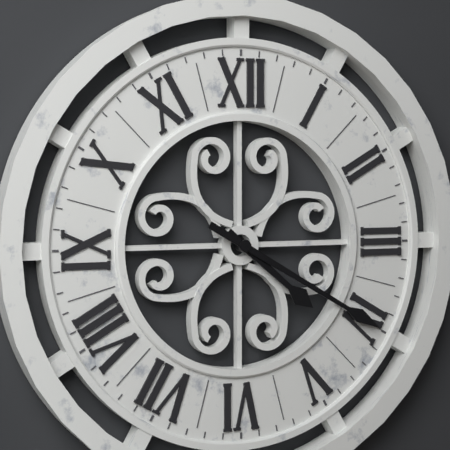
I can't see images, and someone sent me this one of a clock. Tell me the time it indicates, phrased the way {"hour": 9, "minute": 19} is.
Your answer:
{"hour": 4, "minute": 20}
